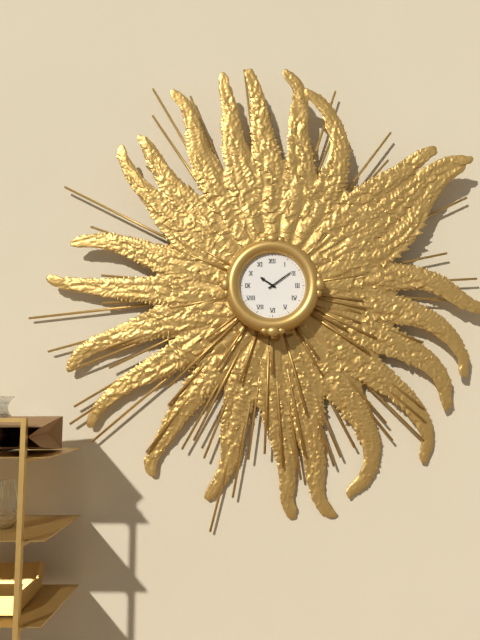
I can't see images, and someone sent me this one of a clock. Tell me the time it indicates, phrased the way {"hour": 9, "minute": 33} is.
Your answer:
{"hour": 10, "minute": 9}
